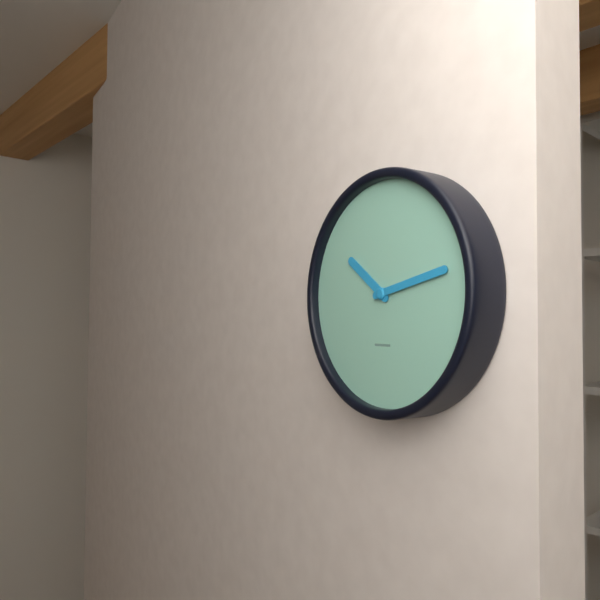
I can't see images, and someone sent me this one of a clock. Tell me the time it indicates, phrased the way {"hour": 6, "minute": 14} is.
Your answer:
{"hour": 10, "minute": 13}
